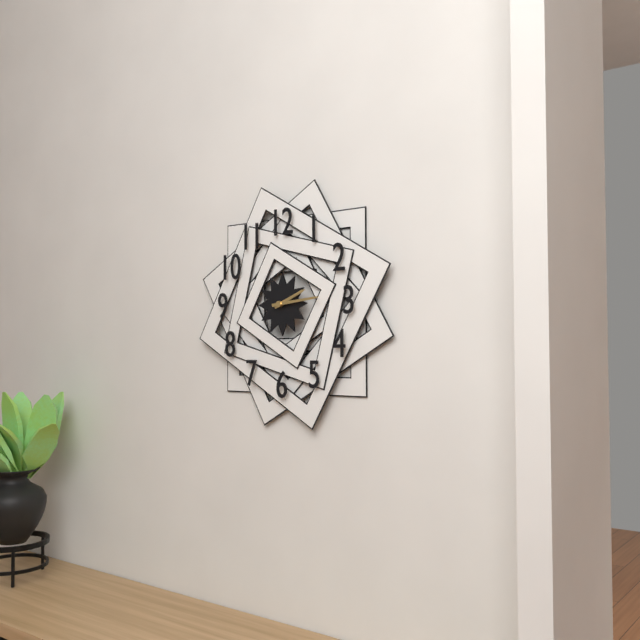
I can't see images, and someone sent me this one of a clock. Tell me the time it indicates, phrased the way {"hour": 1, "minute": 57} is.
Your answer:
{"hour": 2, "minute": 14}
